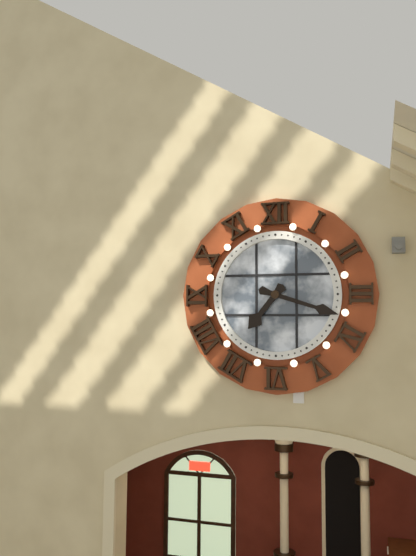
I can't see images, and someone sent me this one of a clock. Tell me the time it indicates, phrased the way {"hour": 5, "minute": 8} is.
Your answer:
{"hour": 7, "minute": 18}
